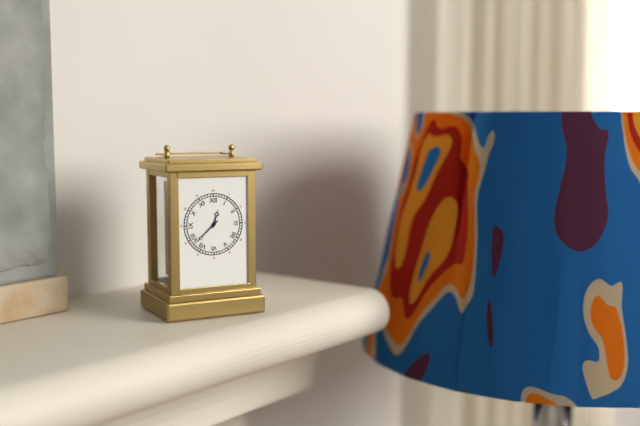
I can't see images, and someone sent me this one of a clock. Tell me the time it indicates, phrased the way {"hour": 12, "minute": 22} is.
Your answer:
{"hour": 12, "minute": 38}
